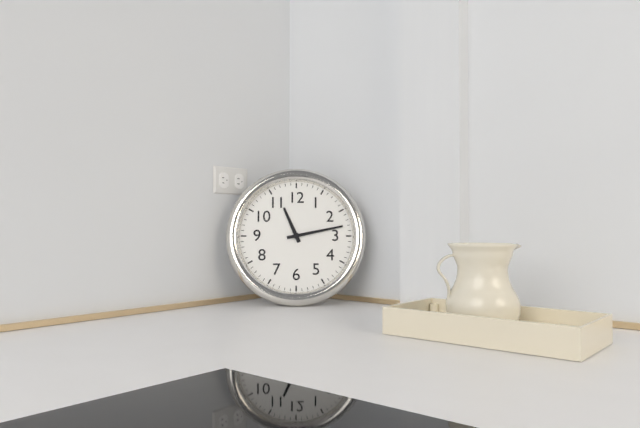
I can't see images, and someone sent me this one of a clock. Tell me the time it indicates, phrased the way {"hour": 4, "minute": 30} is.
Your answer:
{"hour": 11, "minute": 13}
